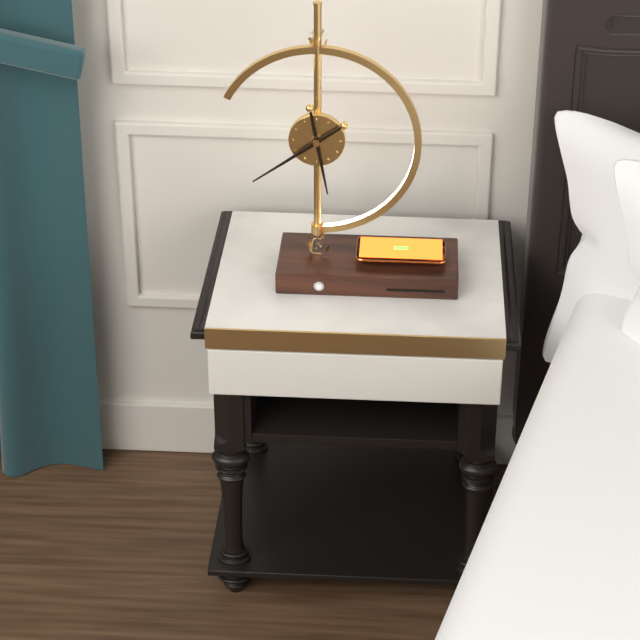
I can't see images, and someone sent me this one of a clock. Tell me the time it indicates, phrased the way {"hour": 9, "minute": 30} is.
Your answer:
{"hour": 5, "minute": 39}
